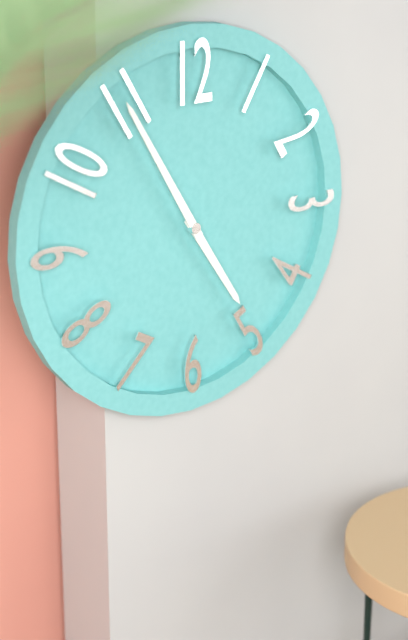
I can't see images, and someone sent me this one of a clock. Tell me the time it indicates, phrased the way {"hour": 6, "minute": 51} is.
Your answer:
{"hour": 4, "minute": 55}
